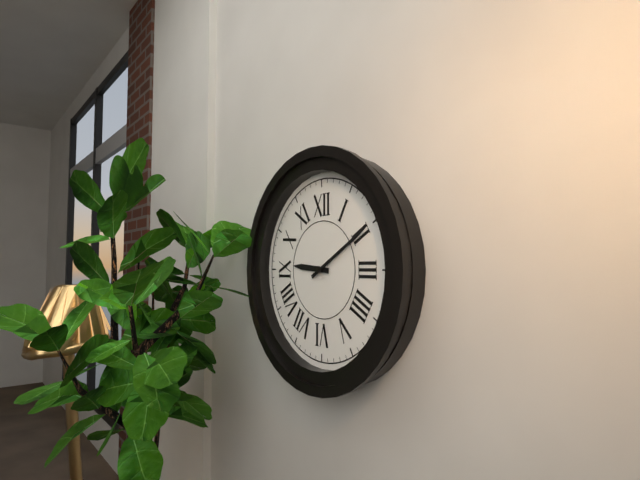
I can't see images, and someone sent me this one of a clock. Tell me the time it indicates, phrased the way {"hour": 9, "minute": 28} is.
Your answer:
{"hour": 9, "minute": 10}
